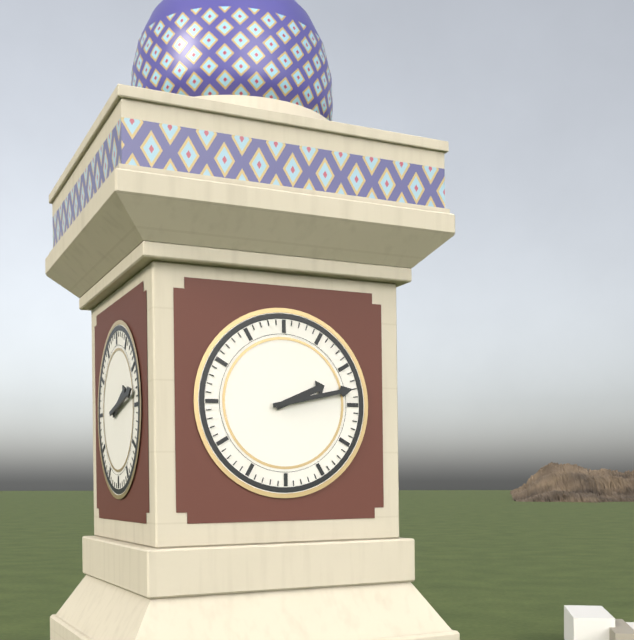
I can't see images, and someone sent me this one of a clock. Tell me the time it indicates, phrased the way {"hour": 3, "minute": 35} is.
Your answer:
{"hour": 2, "minute": 13}
